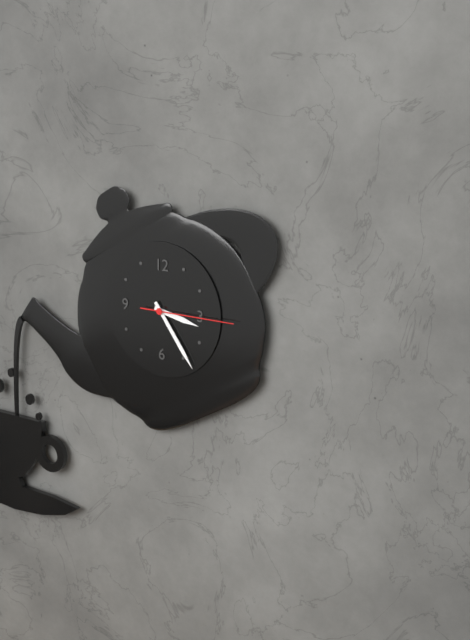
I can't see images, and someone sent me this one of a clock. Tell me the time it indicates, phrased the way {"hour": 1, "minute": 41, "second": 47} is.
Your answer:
{"hour": 3, "minute": 24, "second": 15}
